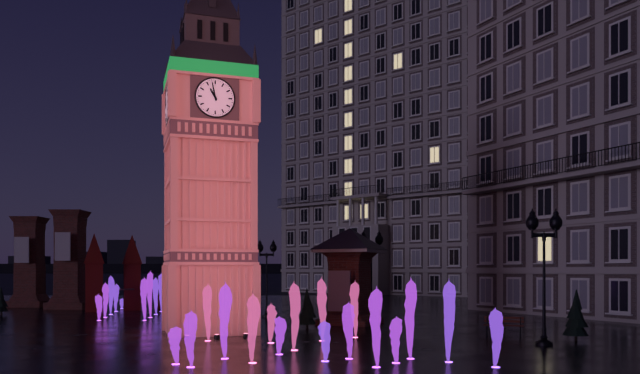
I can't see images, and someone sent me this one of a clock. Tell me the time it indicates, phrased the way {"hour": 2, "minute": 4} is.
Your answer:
{"hour": 10, "minute": 58}
